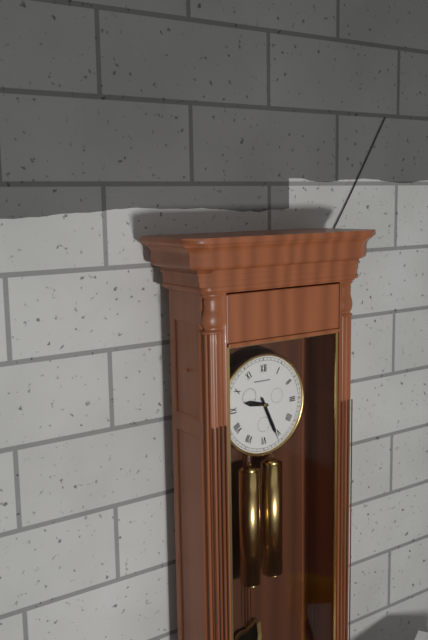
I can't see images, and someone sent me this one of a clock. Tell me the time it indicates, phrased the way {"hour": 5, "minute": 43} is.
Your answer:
{"hour": 9, "minute": 26}
